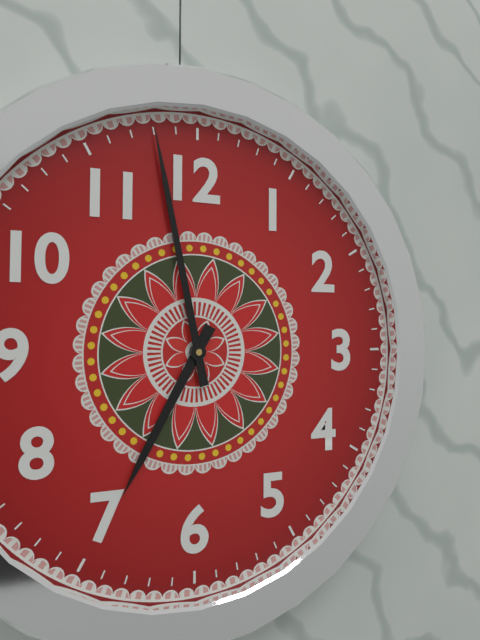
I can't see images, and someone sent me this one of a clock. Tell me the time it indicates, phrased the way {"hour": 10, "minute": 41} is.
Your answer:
{"hour": 6, "minute": 58}
